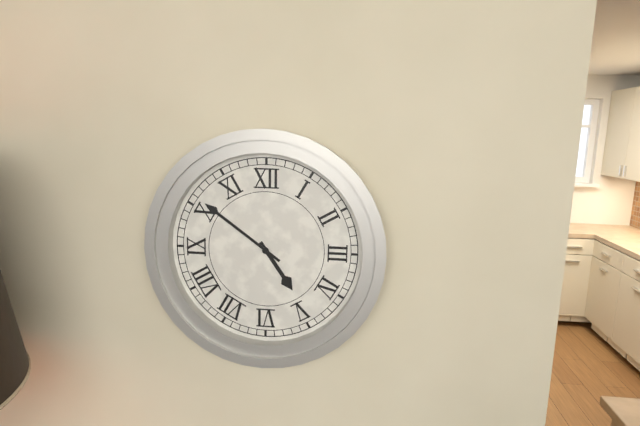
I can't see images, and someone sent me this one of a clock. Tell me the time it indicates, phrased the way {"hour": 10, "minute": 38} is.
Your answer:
{"hour": 4, "minute": 51}
